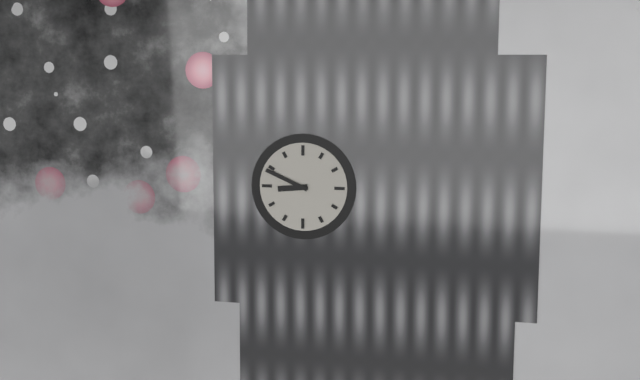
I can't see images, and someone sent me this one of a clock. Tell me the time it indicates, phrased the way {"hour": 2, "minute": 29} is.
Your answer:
{"hour": 8, "minute": 49}
